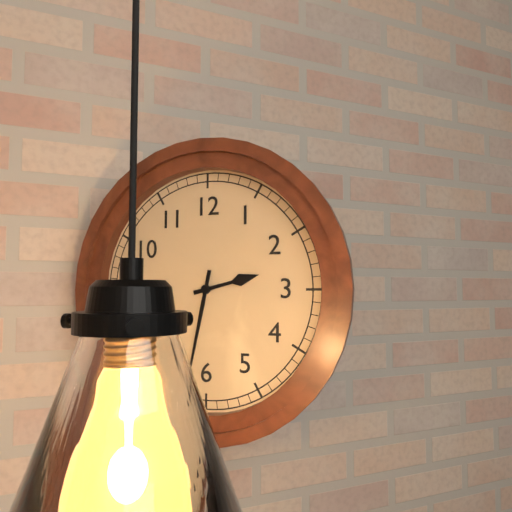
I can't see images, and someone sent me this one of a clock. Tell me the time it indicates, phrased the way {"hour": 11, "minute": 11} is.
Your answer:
{"hour": 2, "minute": 32}
